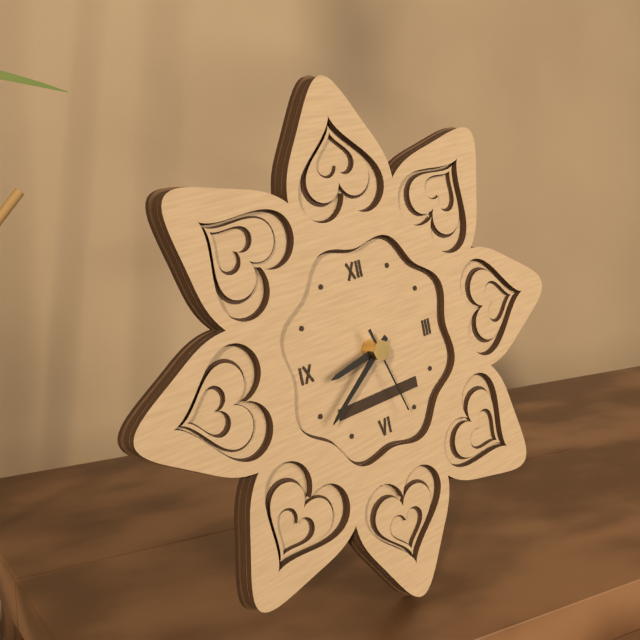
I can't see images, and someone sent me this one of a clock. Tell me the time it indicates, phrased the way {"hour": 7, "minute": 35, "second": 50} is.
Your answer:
{"hour": 8, "minute": 39, "second": 27}
